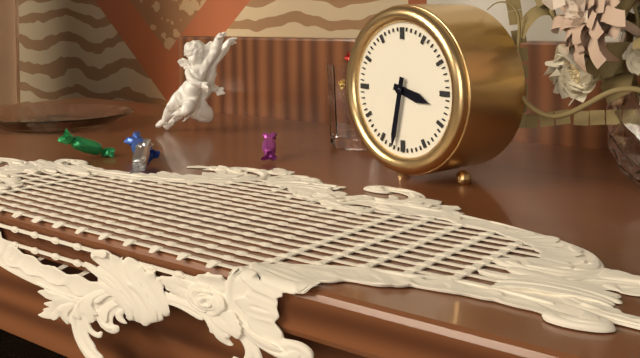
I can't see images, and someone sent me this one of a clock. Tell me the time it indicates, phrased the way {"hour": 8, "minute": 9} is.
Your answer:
{"hour": 3, "minute": 32}
